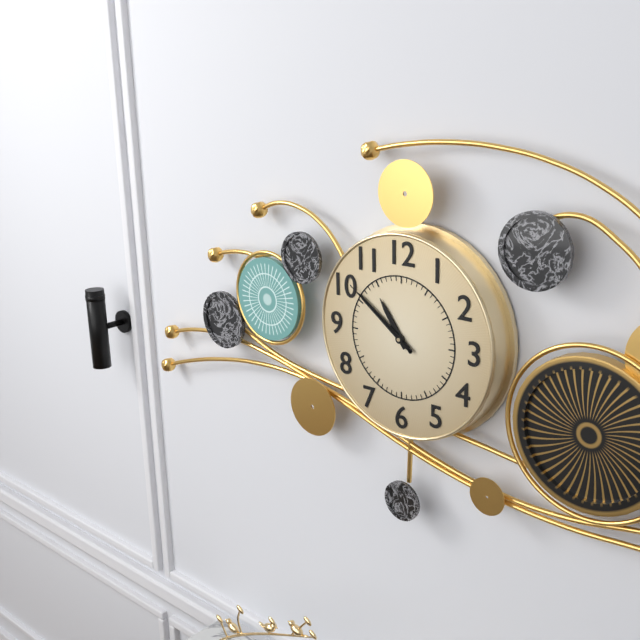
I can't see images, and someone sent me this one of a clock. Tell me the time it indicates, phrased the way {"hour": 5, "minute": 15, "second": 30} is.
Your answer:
{"hour": 10, "minute": 51, "second": 51}
